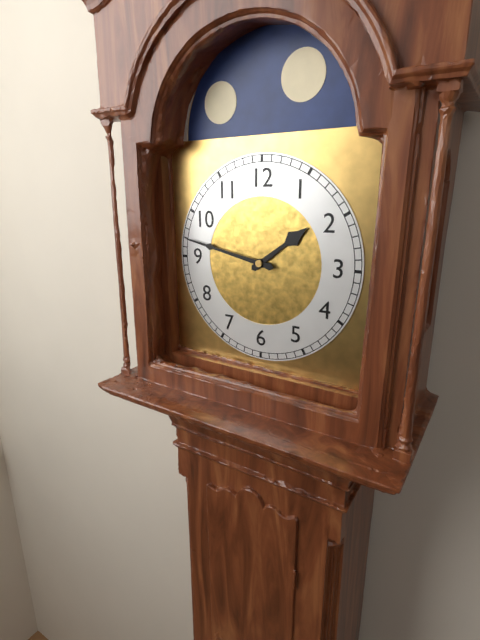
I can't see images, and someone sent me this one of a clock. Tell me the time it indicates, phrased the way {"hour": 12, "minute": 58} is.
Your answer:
{"hour": 1, "minute": 47}
